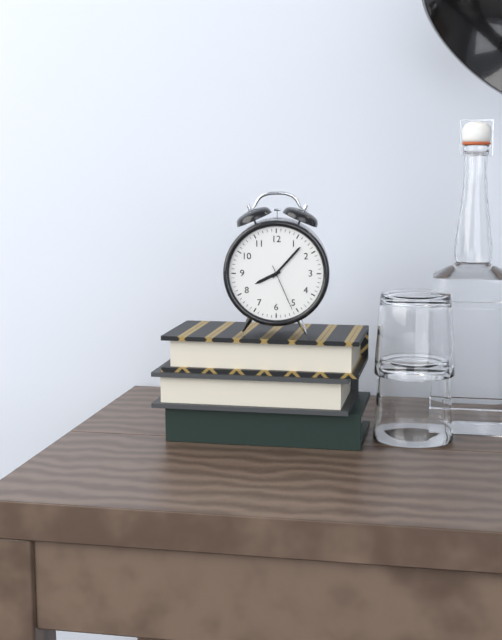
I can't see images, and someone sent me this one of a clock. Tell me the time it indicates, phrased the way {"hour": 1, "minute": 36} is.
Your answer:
{"hour": 8, "minute": 7}
